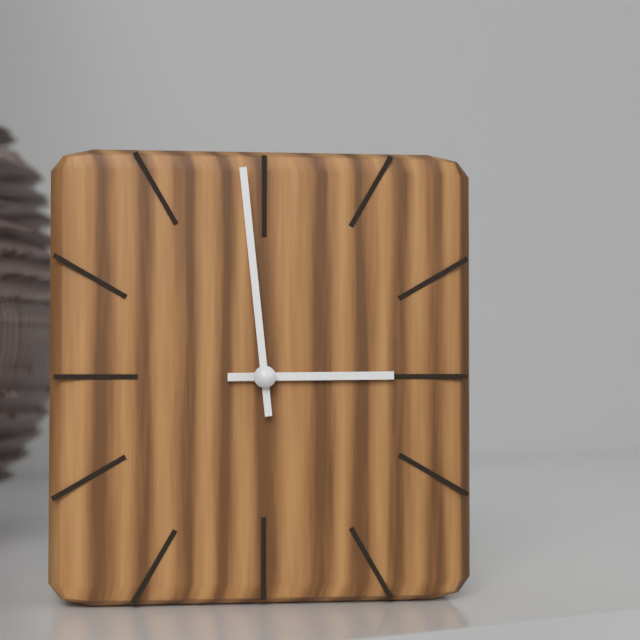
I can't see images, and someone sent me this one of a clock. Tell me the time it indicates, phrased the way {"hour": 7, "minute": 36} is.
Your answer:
{"hour": 2, "minute": 59}
